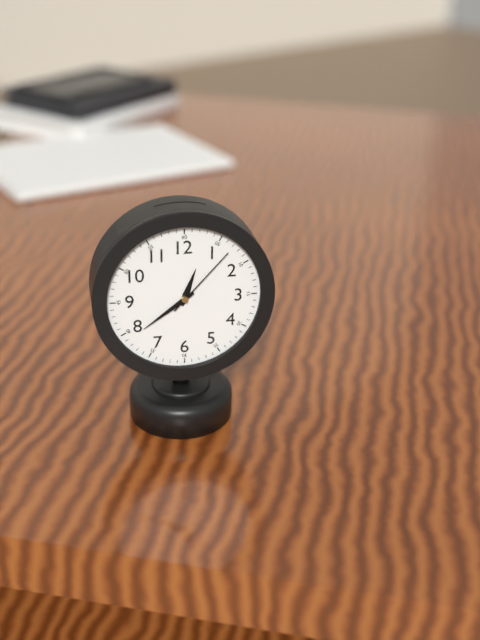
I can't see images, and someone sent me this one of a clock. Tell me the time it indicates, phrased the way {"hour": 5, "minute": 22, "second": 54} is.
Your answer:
{"hour": 12, "minute": 39, "second": 7}
